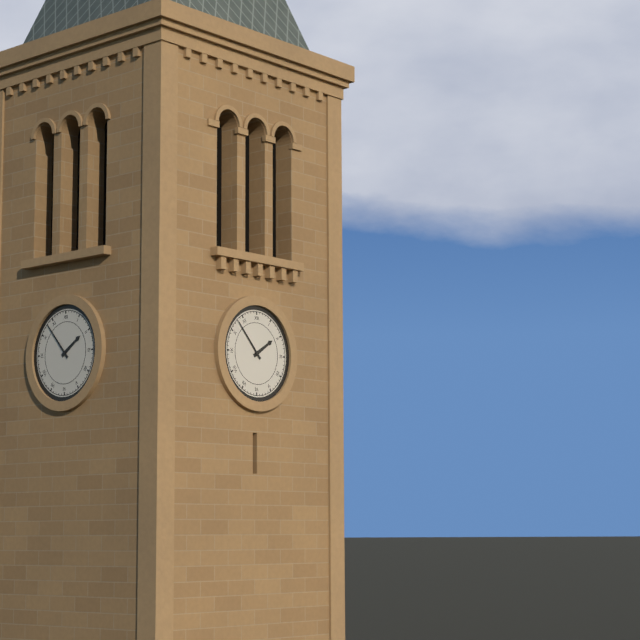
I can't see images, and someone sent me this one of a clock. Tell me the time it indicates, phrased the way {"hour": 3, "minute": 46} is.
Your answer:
{"hour": 1, "minute": 53}
